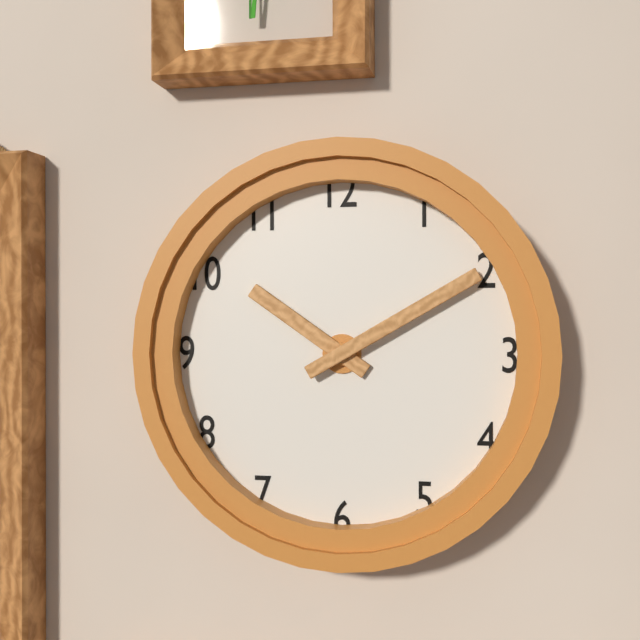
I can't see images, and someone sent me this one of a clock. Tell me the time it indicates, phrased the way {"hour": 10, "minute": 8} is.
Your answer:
{"hour": 10, "minute": 10}
